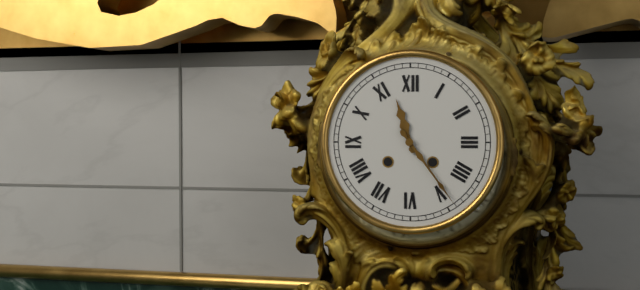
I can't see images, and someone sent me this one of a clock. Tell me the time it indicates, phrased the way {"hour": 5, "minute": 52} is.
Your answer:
{"hour": 11, "minute": 24}
